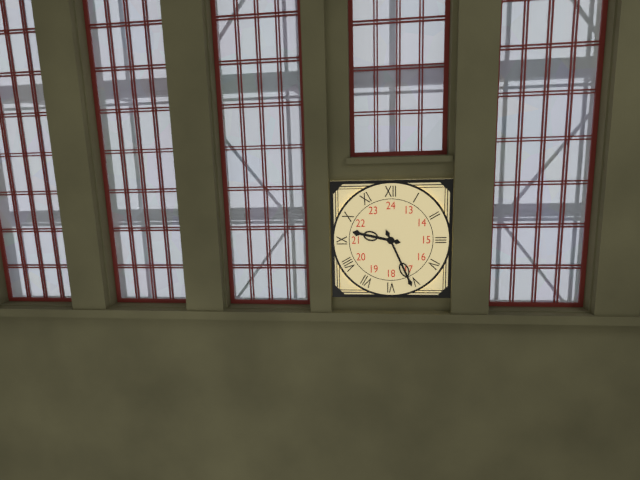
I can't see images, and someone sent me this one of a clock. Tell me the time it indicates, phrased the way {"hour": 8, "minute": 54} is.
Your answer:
{"hour": 9, "minute": 26}
